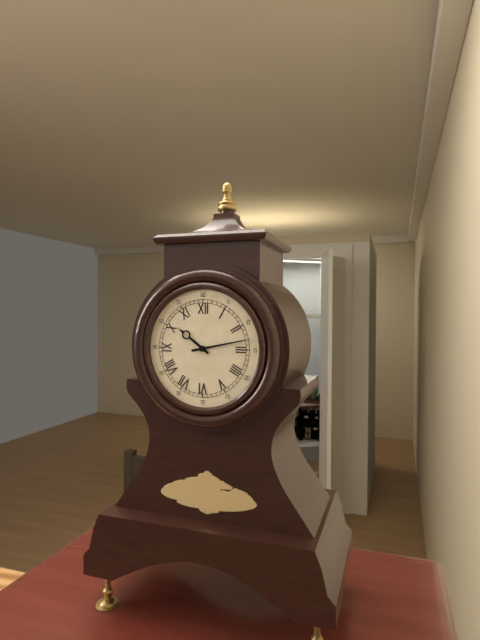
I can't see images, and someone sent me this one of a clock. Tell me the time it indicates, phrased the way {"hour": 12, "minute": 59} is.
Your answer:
{"hour": 10, "minute": 13}
